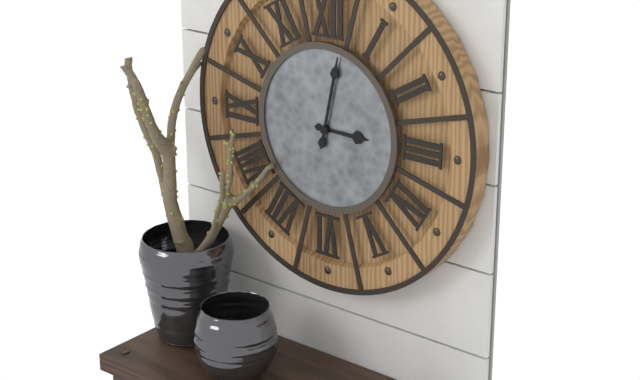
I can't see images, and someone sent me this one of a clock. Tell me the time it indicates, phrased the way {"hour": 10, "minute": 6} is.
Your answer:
{"hour": 3, "minute": 2}
